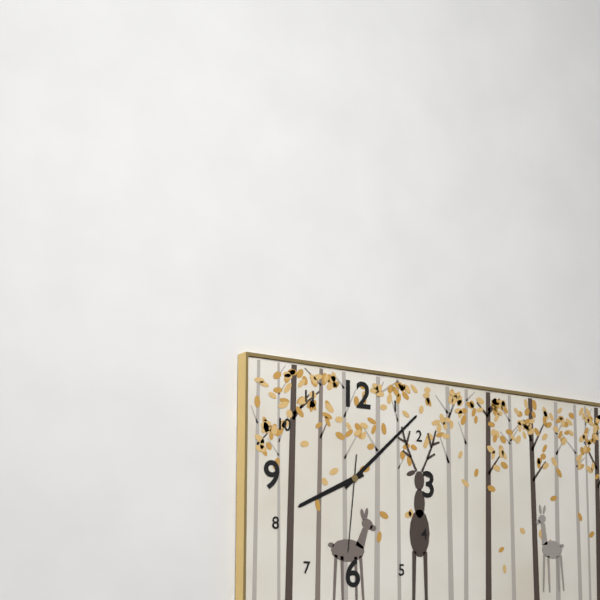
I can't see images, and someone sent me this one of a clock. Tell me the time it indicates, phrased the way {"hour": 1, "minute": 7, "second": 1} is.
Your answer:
{"hour": 8, "minute": 8, "second": 31}
